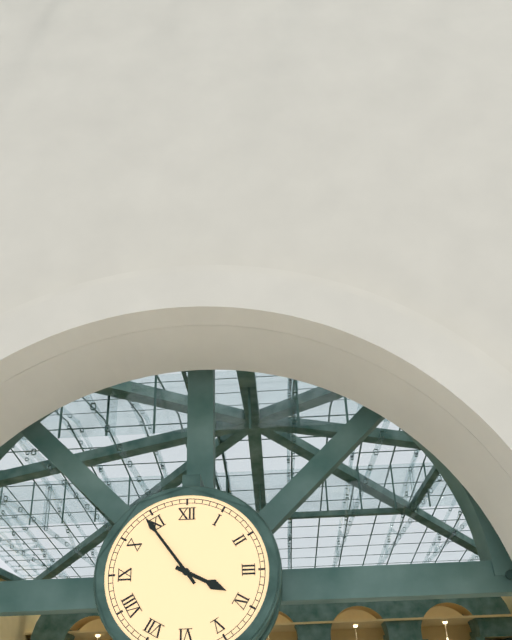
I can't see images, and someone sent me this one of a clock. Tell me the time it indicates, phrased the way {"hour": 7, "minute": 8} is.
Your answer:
{"hour": 3, "minute": 54}
